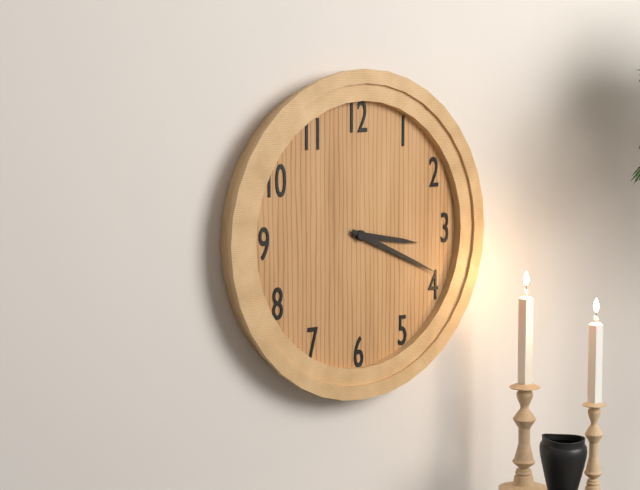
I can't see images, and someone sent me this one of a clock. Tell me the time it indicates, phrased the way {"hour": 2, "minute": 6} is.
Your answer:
{"hour": 3, "minute": 19}
